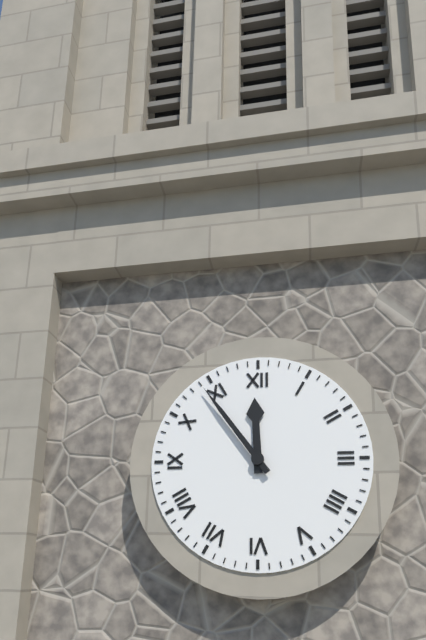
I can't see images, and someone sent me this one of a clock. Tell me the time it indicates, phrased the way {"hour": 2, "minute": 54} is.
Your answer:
{"hour": 11, "minute": 54}
